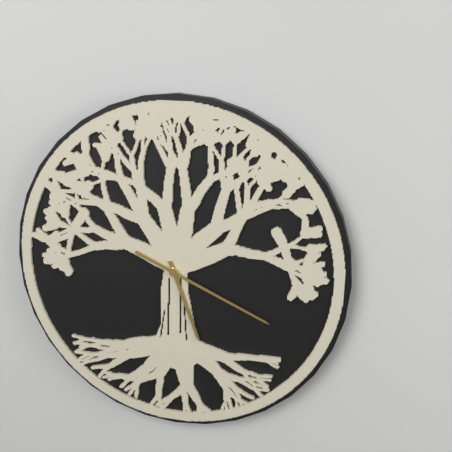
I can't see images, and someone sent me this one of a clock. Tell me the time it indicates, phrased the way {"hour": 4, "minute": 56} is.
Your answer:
{"hour": 5, "minute": 19}
